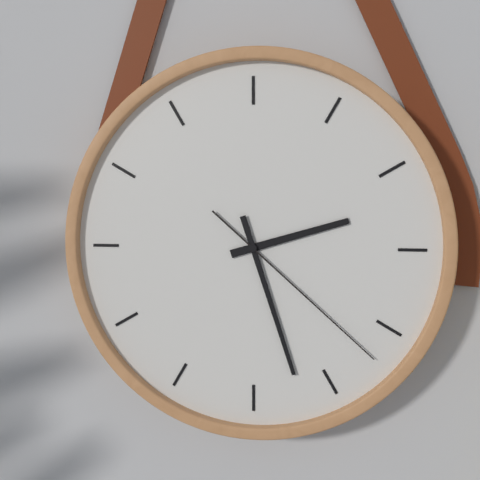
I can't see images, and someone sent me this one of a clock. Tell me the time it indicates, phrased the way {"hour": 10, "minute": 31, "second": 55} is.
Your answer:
{"hour": 2, "minute": 27, "second": 22}
